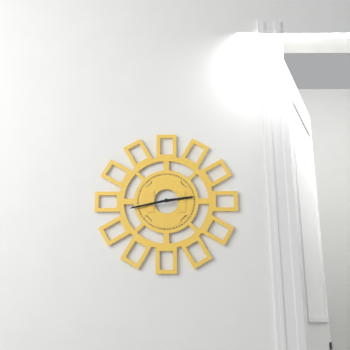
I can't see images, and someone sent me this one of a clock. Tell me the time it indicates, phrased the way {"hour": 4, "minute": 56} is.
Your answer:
{"hour": 2, "minute": 43}
